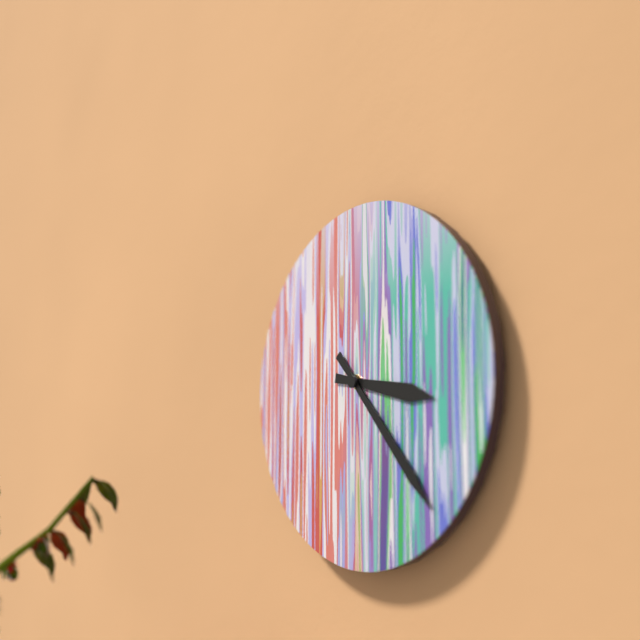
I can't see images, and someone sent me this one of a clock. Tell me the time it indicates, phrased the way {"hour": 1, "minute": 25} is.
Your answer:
{"hour": 3, "minute": 23}
